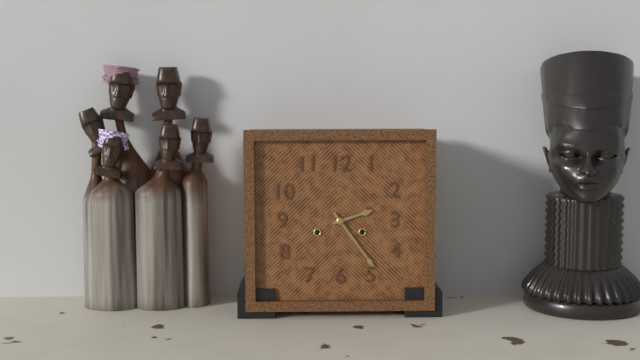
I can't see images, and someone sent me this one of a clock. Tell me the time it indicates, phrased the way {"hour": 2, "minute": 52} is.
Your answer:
{"hour": 2, "minute": 24}
